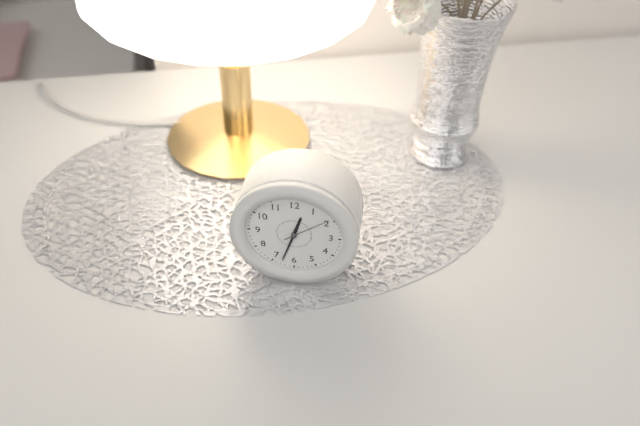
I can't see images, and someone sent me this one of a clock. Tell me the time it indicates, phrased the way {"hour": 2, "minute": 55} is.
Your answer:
{"hour": 12, "minute": 33}
